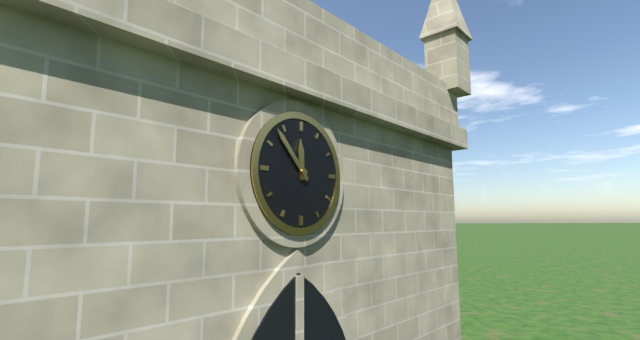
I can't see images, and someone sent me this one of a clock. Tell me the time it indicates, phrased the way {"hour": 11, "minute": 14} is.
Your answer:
{"hour": 11, "minute": 53}
